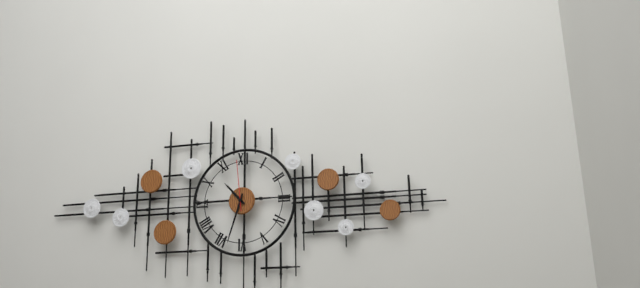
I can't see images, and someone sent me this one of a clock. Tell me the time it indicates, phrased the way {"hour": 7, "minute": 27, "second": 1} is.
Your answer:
{"hour": 10, "minute": 33, "second": 59}
